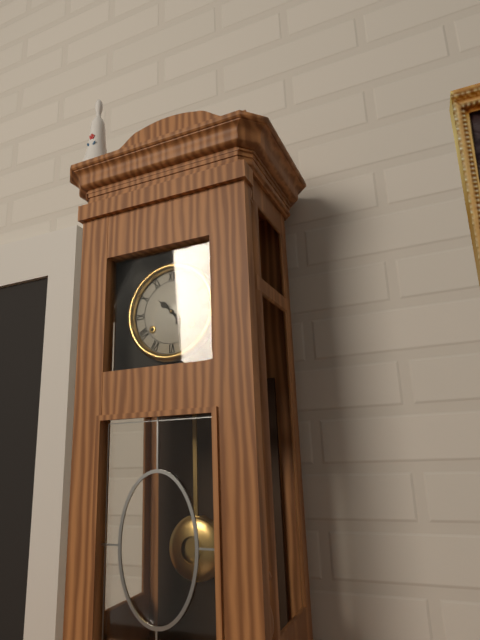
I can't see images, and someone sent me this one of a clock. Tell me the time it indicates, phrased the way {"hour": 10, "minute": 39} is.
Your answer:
{"hour": 10, "minute": 24}
